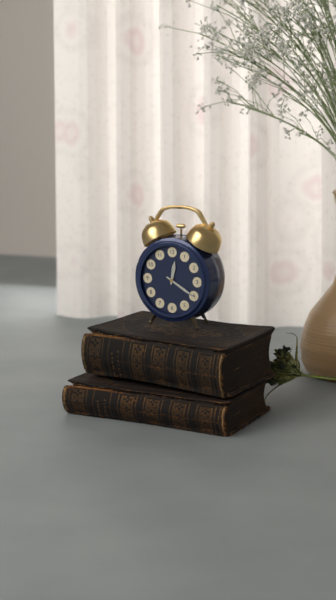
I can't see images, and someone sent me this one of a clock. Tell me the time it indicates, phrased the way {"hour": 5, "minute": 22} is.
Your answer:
{"hour": 12, "minute": 20}
